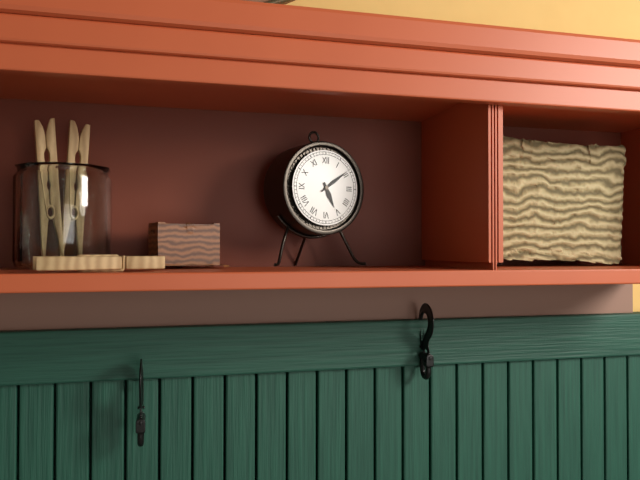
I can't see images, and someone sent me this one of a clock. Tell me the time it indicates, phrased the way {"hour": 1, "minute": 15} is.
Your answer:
{"hour": 5, "minute": 9}
